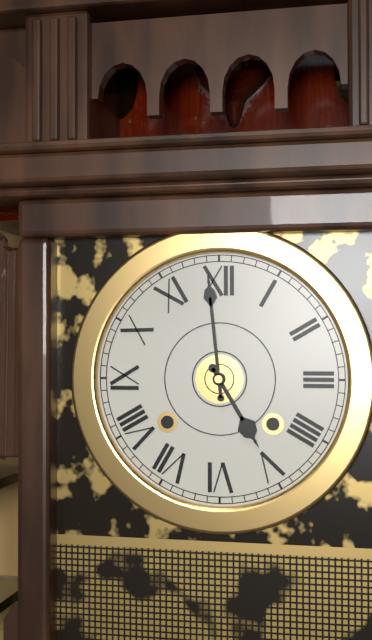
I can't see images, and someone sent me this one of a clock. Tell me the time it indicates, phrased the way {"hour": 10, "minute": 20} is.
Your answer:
{"hour": 4, "minute": 59}
